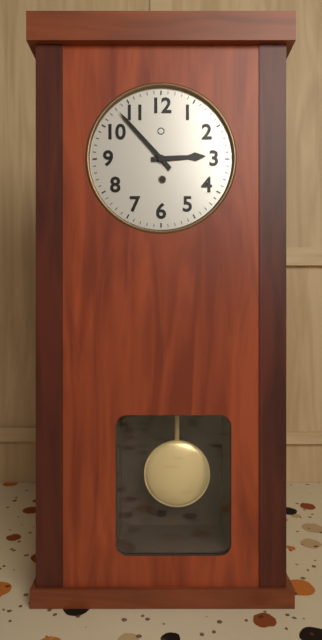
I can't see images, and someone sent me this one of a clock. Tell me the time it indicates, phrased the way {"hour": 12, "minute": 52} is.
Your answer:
{"hour": 2, "minute": 53}
